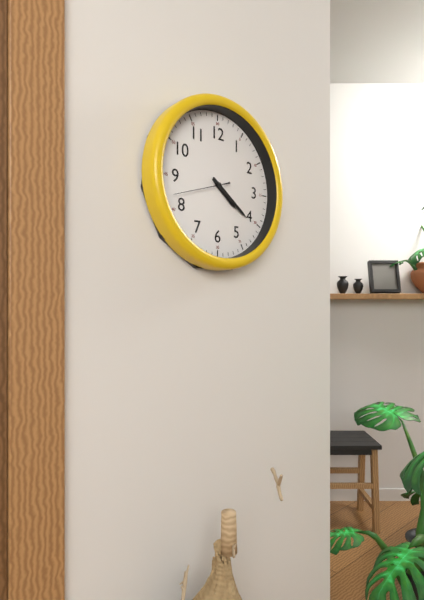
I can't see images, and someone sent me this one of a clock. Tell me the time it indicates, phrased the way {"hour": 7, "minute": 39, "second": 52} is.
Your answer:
{"hour": 4, "minute": 21, "second": 42}
